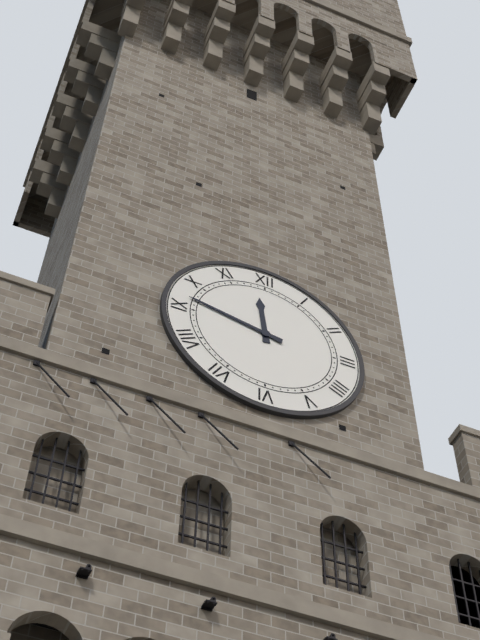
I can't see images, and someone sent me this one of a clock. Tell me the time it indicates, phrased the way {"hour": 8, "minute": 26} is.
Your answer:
{"hour": 11, "minute": 47}
